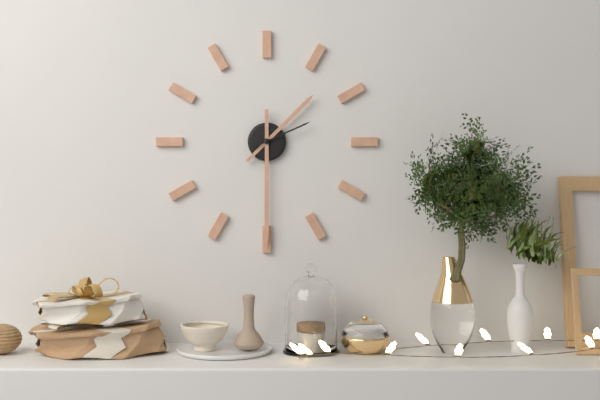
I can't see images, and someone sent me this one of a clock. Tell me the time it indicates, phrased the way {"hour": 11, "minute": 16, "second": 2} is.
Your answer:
{"hour": 1, "minute": 30, "second": 11}
